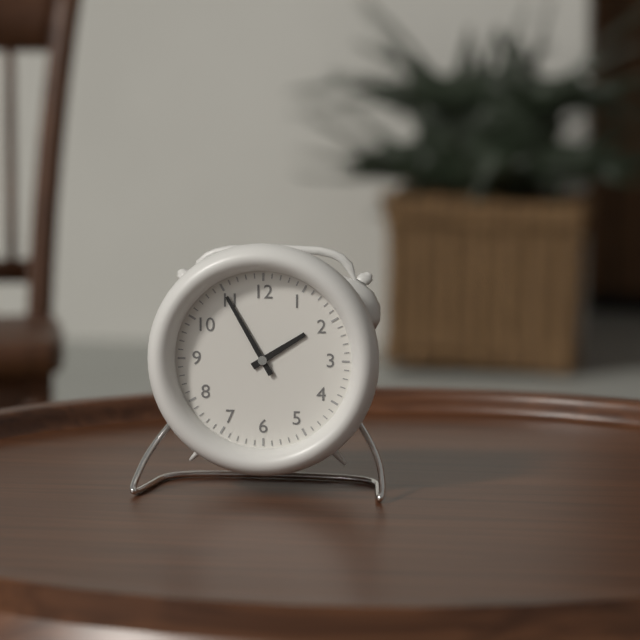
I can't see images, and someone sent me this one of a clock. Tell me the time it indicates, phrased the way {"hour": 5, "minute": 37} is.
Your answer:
{"hour": 1, "minute": 55}
